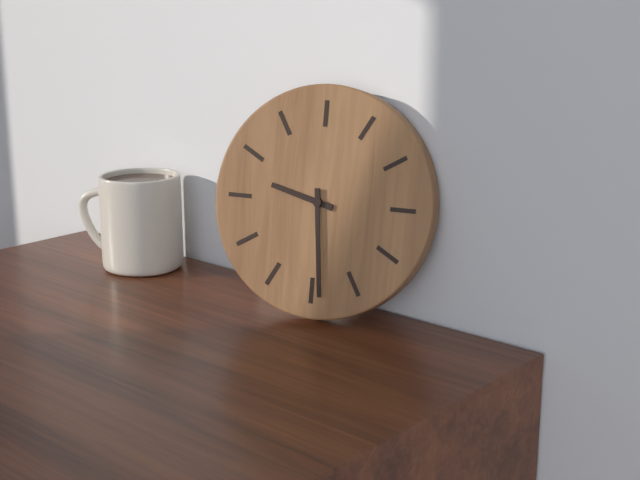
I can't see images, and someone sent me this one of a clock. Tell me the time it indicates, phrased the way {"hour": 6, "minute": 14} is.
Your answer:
{"hour": 9, "minute": 29}
